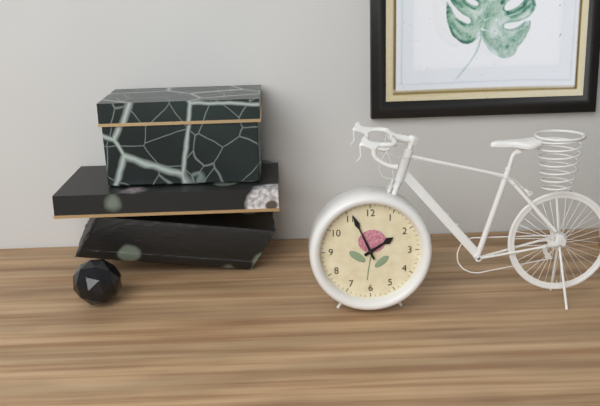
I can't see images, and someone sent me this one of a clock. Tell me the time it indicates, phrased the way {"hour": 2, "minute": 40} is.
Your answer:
{"hour": 1, "minute": 56}
